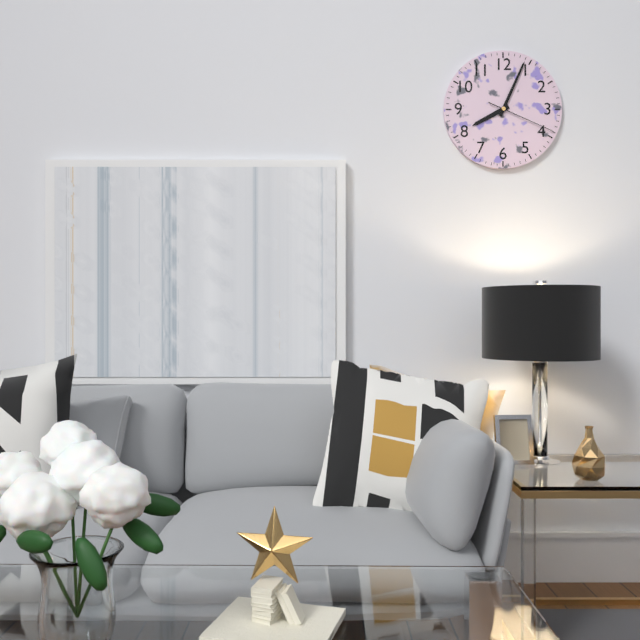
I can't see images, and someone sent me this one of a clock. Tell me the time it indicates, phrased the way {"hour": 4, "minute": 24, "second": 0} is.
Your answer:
{"hour": 8, "minute": 4, "second": 19}
